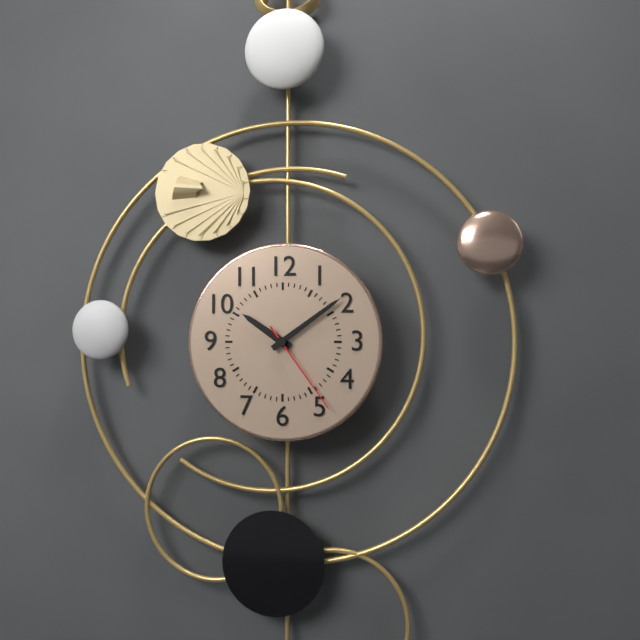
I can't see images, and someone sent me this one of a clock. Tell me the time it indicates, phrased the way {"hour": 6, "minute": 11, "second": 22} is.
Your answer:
{"hour": 10, "minute": 9, "second": 24}
